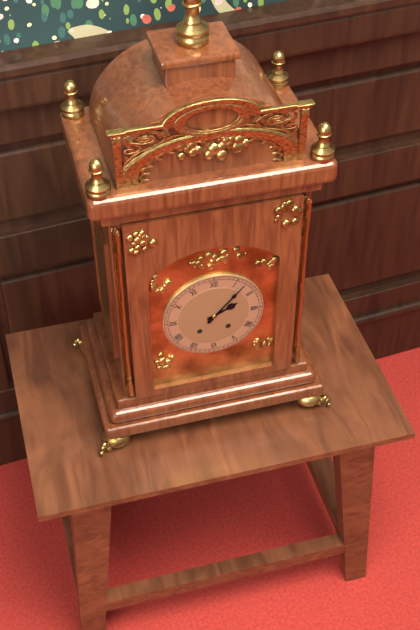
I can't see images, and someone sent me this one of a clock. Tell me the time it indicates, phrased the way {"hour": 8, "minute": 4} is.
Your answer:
{"hour": 2, "minute": 7}
